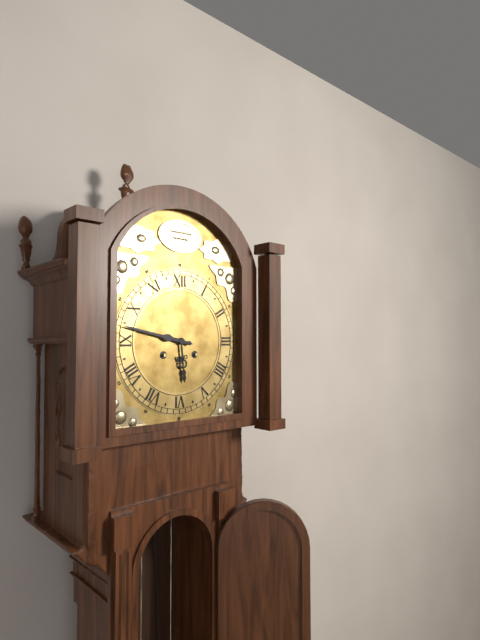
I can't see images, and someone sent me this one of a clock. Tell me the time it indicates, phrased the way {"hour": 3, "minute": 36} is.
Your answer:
{"hour": 5, "minute": 47}
